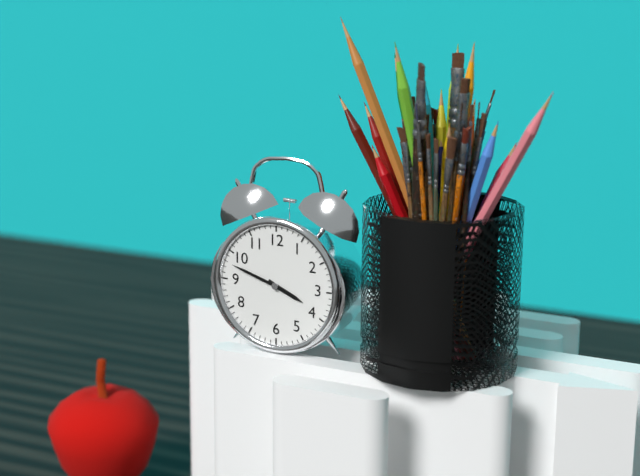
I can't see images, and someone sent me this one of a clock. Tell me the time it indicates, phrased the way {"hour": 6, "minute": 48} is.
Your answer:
{"hour": 3, "minute": 48}
